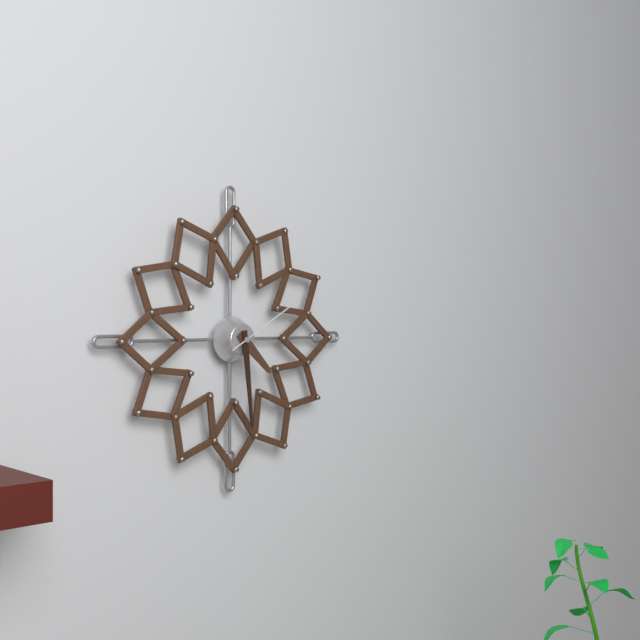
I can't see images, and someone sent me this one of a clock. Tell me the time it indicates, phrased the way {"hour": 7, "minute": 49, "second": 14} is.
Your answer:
{"hour": 4, "minute": 29, "second": 10}
